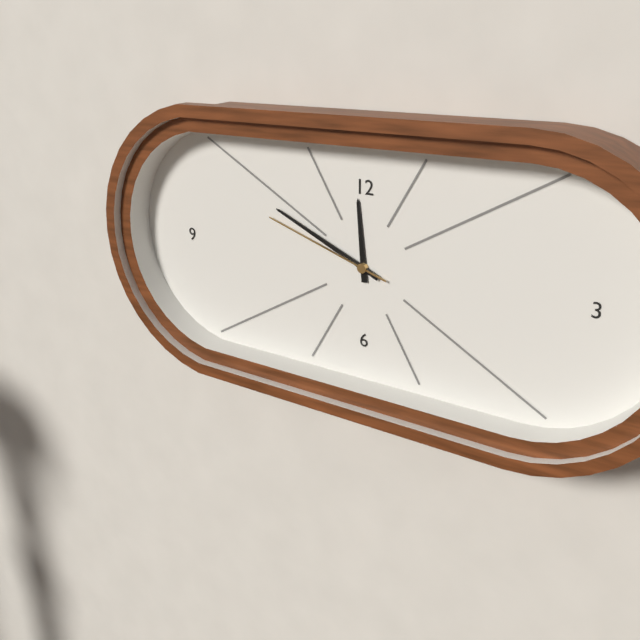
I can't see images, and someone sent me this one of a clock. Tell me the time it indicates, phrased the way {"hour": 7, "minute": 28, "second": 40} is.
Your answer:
{"hour": 11, "minute": 49, "second": 48}
